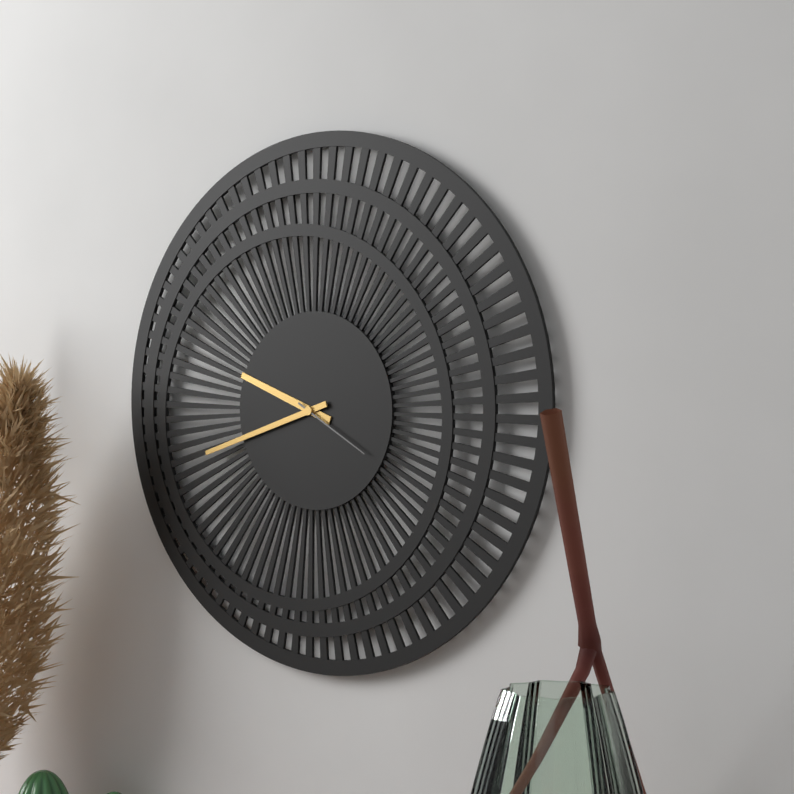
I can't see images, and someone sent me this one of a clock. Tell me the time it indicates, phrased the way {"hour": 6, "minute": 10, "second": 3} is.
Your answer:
{"hour": 9, "minute": 42, "second": 20}
